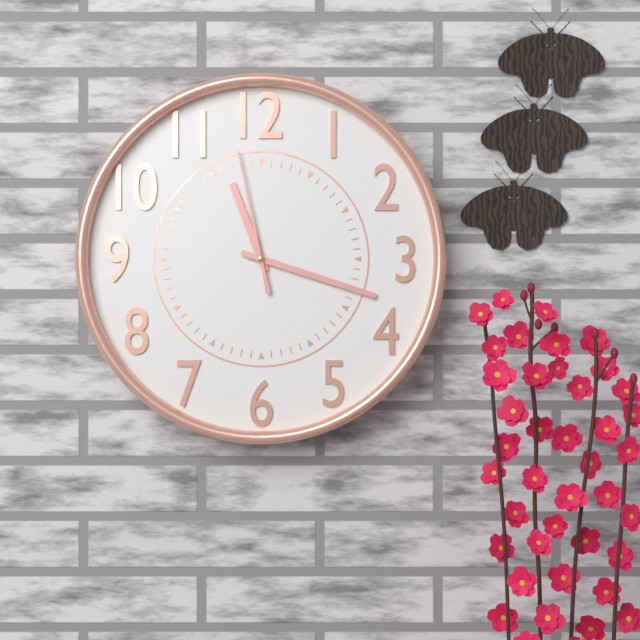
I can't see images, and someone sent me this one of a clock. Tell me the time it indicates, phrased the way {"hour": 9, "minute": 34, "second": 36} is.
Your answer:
{"hour": 11, "minute": 18, "second": 58}
